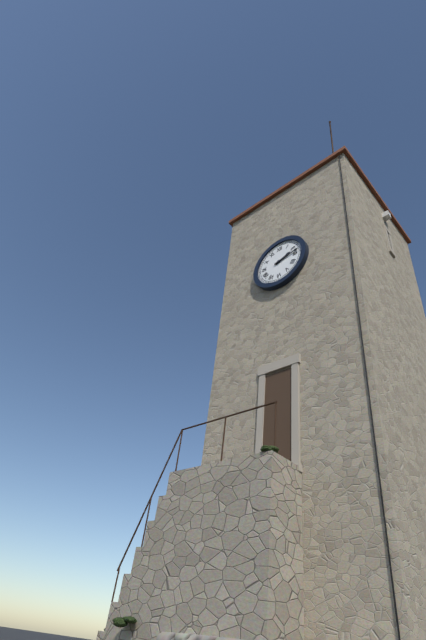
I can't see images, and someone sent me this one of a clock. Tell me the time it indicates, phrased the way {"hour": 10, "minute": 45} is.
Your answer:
{"hour": 2, "minute": 13}
